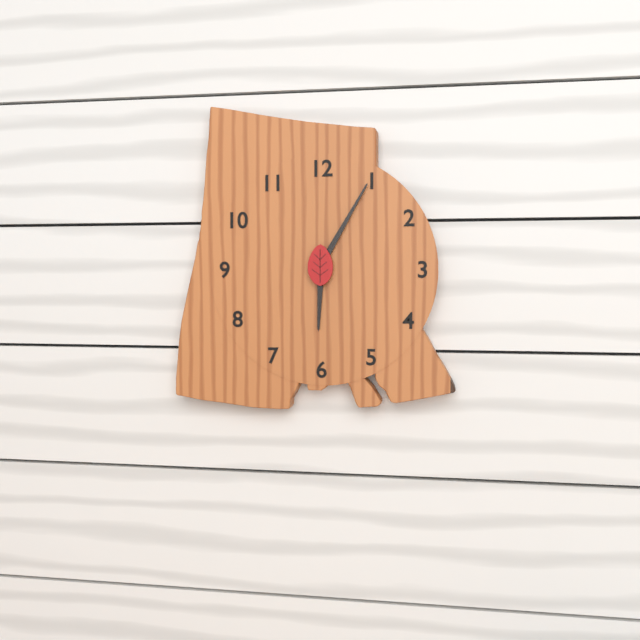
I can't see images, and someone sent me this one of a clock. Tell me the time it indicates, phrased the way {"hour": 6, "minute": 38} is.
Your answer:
{"hour": 6, "minute": 5}
